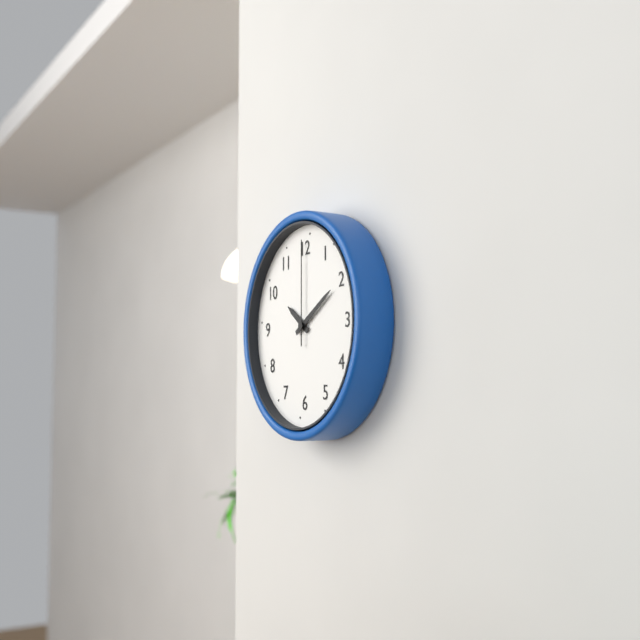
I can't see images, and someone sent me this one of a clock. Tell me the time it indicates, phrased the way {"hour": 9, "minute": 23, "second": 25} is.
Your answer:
{"hour": 10, "minute": 10, "second": 0}
